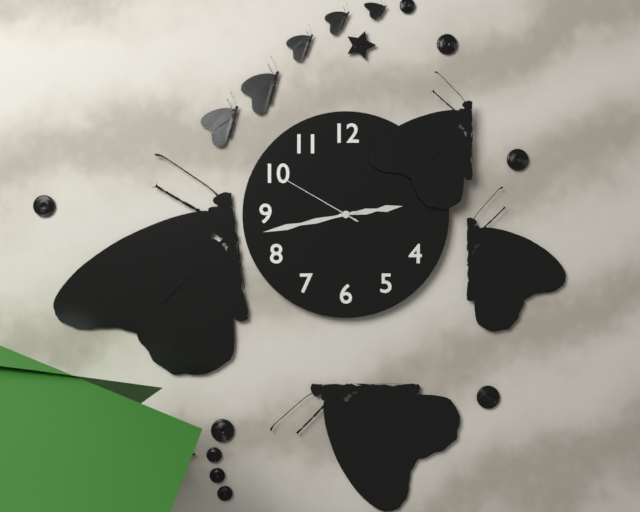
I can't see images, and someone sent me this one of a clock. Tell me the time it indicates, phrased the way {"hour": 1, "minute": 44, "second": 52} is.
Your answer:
{"hour": 2, "minute": 43, "second": 50}
